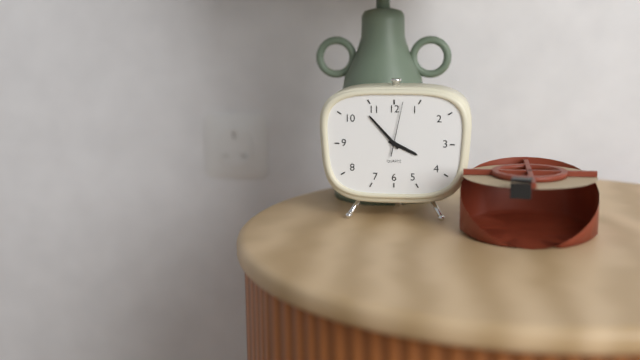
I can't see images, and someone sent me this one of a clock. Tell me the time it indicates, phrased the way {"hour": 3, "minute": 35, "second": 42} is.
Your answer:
{"hour": 3, "minute": 53, "second": 2}
